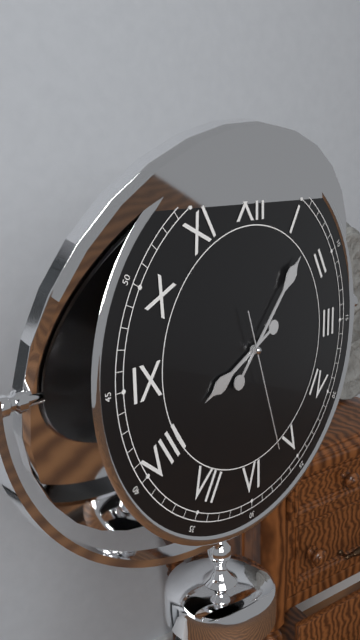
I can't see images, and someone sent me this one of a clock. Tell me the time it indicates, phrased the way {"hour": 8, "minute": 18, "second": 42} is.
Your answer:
{"hour": 8, "minute": 7, "second": 27}
